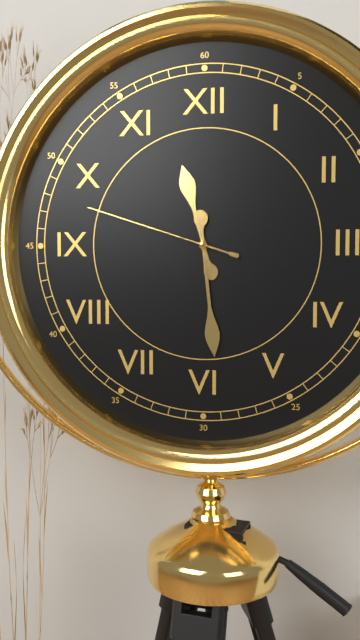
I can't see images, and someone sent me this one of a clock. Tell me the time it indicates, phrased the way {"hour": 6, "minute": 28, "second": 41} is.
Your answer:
{"hour": 11, "minute": 29, "second": 48}
